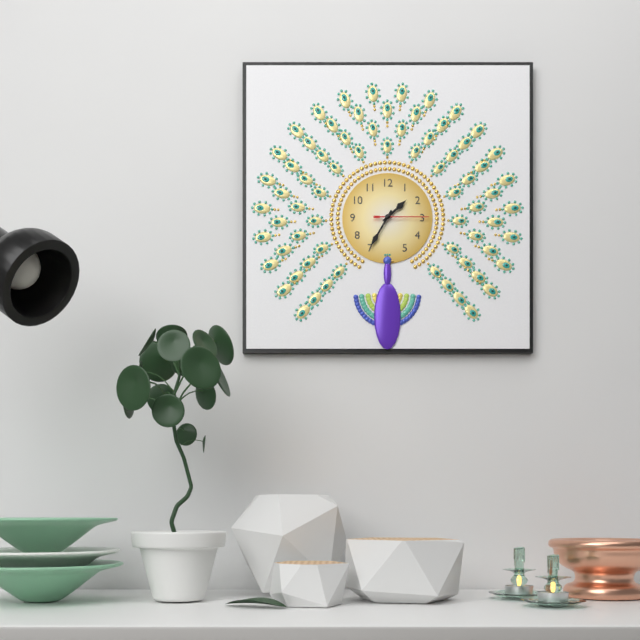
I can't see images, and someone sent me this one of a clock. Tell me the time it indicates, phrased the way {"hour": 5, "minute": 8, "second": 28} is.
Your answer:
{"hour": 1, "minute": 35, "second": 15}
